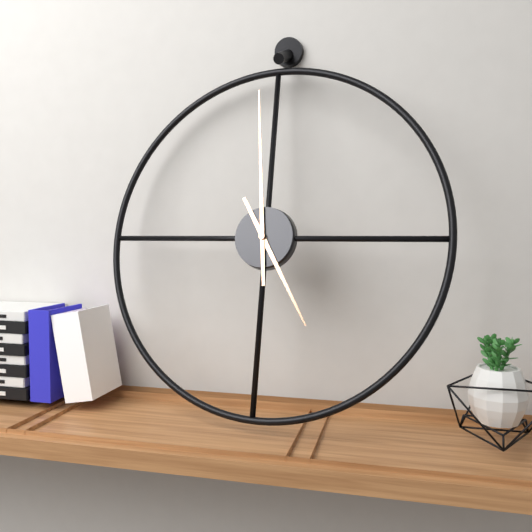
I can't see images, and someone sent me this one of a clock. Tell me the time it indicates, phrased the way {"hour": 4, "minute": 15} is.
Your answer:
{"hour": 4, "minute": 59}
